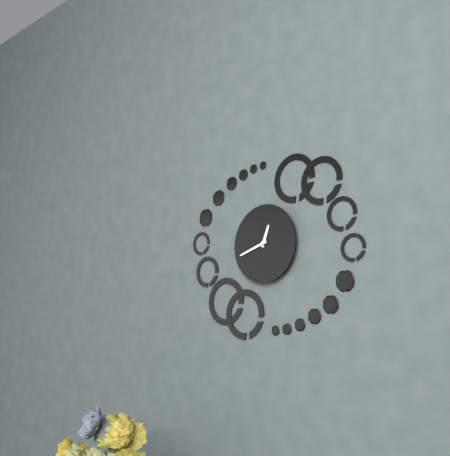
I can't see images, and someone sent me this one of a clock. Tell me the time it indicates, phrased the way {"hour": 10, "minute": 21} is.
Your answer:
{"hour": 12, "minute": 42}
